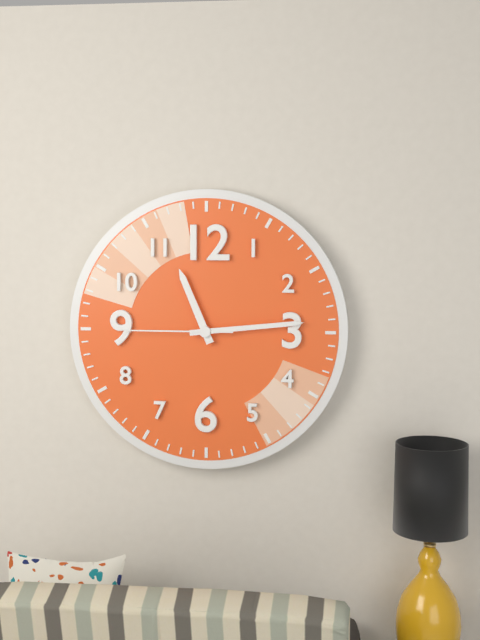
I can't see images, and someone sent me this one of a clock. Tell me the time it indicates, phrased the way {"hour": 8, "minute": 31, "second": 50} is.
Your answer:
{"hour": 11, "minute": 14, "second": 45}
